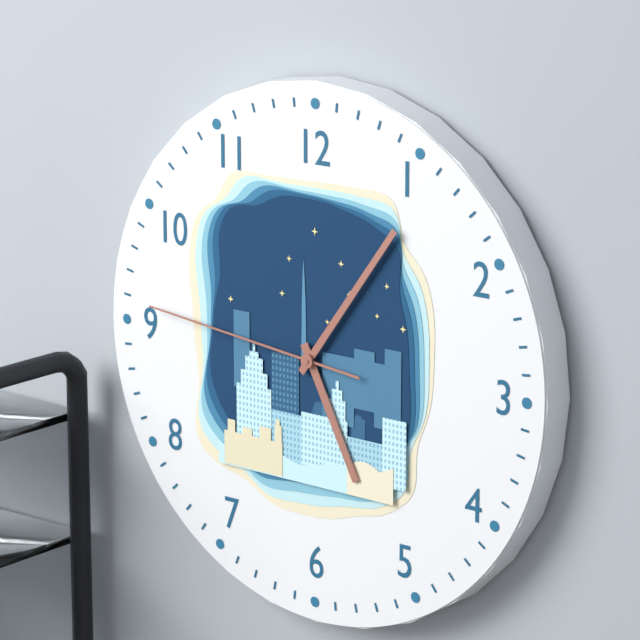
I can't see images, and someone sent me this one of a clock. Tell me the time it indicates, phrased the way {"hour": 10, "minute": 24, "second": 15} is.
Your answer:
{"hour": 5, "minute": 6, "second": 46}
